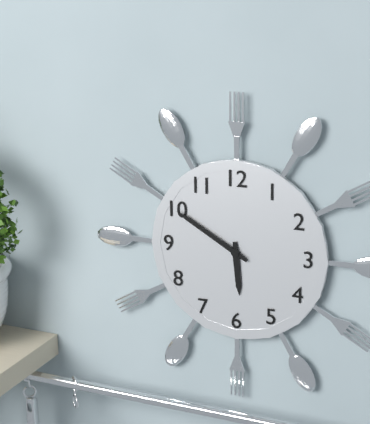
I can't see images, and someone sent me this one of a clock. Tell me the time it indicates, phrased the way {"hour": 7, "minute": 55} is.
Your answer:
{"hour": 5, "minute": 50}
